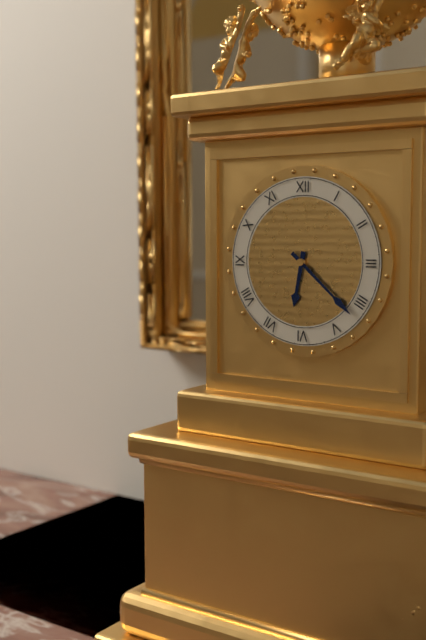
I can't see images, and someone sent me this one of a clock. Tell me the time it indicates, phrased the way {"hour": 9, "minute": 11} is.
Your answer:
{"hour": 6, "minute": 22}
